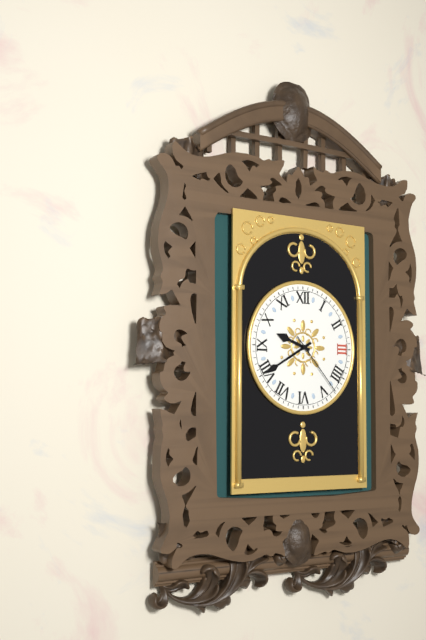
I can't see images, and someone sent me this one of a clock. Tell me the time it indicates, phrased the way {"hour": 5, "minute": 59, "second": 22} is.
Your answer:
{"hour": 9, "minute": 40, "second": 23}
